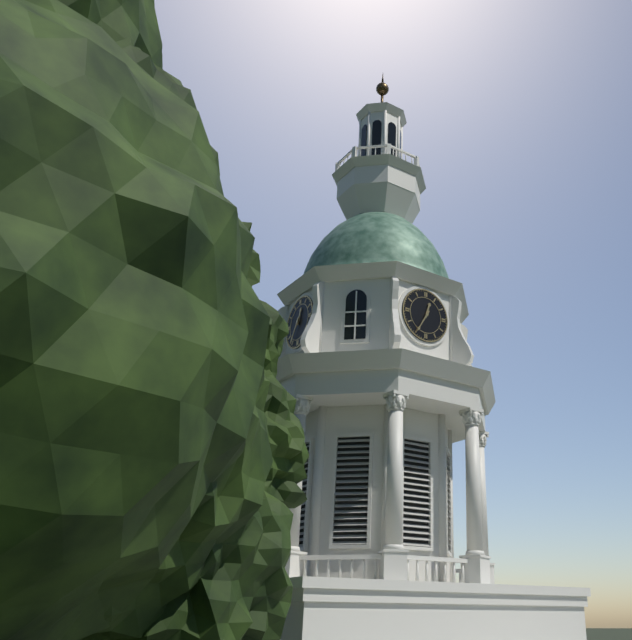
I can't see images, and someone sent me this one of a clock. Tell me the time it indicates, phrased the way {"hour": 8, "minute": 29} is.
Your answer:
{"hour": 12, "minute": 35}
